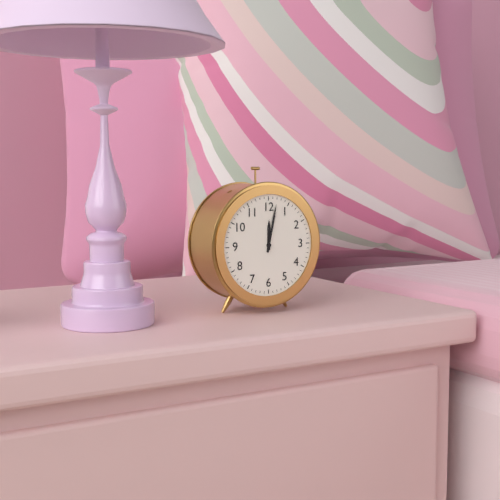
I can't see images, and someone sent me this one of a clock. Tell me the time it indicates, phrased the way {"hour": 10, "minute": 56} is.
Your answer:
{"hour": 12, "minute": 2}
